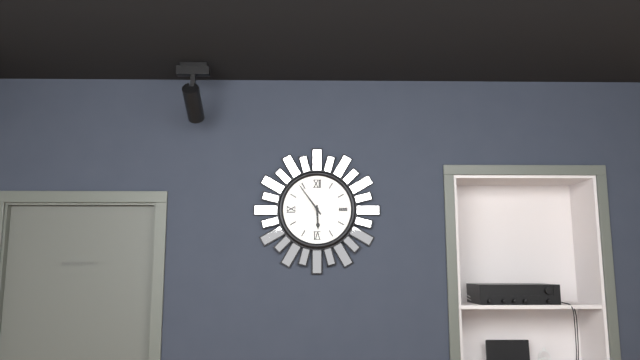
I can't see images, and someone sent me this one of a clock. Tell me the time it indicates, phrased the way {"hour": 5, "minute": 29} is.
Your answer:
{"hour": 5, "minute": 54}
